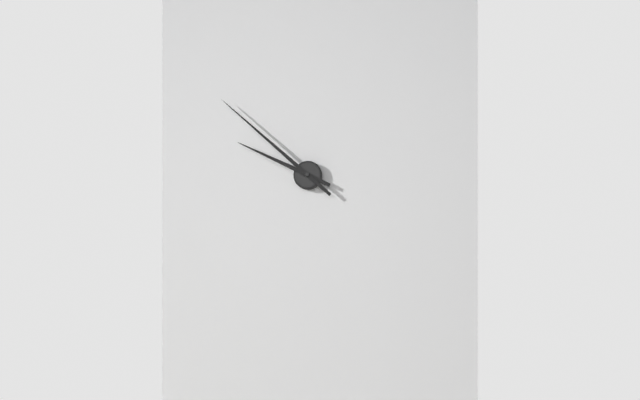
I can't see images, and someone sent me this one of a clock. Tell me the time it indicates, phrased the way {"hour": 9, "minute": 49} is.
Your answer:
{"hour": 9, "minute": 52}
